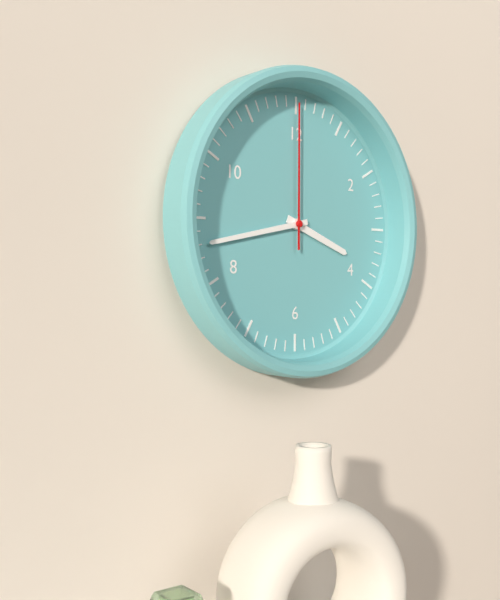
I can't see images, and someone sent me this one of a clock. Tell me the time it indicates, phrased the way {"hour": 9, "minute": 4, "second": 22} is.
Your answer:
{"hour": 3, "minute": 43, "second": 0}
